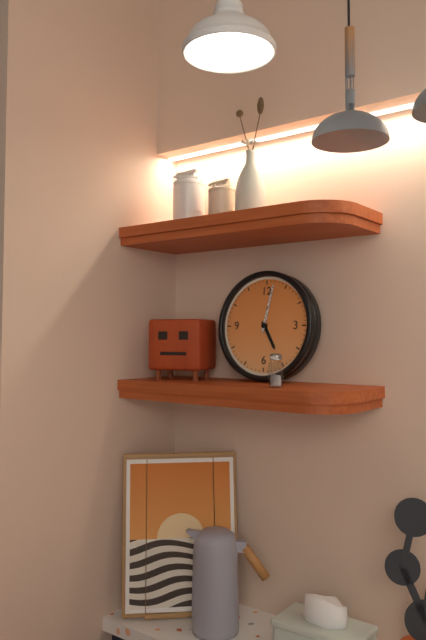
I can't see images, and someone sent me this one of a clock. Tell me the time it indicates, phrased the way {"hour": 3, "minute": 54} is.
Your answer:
{"hour": 5, "minute": 2}
